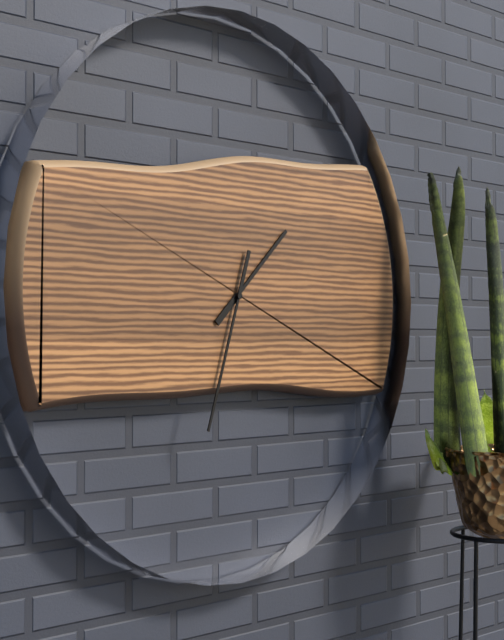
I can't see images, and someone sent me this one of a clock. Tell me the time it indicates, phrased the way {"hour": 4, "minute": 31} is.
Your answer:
{"hour": 1, "minute": 33}
